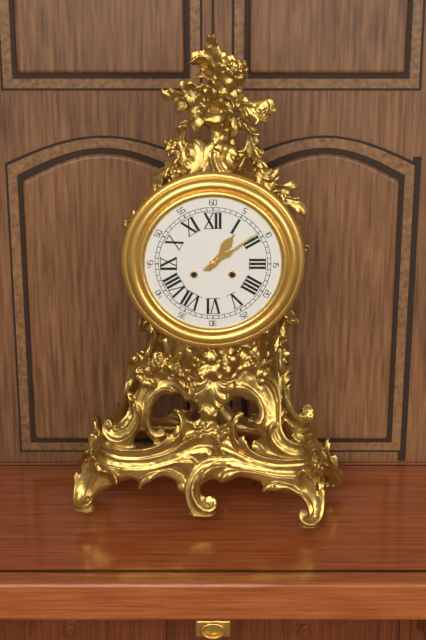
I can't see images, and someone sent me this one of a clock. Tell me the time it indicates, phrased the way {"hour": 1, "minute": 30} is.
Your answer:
{"hour": 1, "minute": 9}
